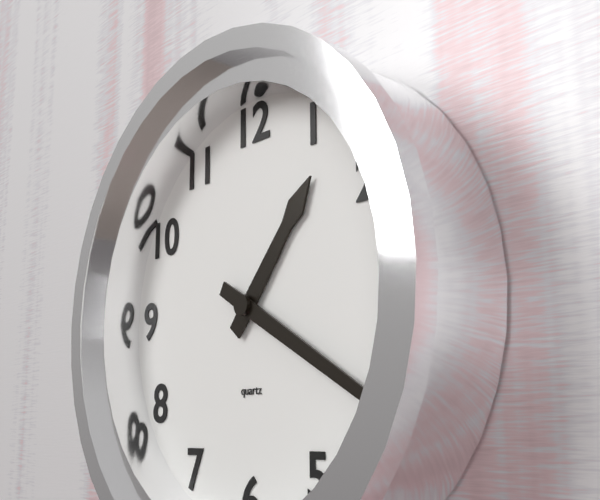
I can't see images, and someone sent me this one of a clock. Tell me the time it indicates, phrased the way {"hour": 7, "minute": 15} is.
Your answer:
{"hour": 1, "minute": 20}
